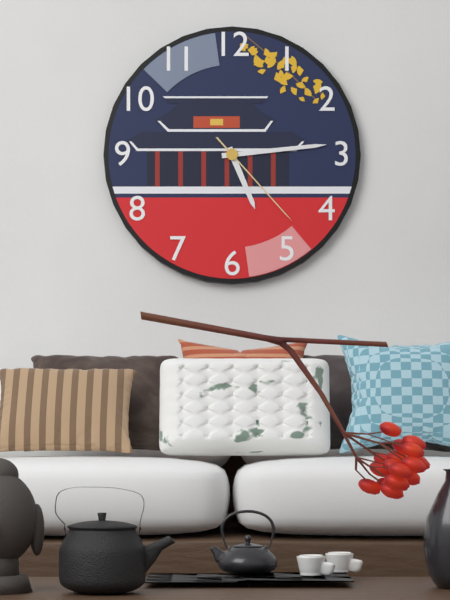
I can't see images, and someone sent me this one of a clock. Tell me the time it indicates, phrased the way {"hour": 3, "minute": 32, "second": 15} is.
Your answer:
{"hour": 5, "minute": 14, "second": 23}
